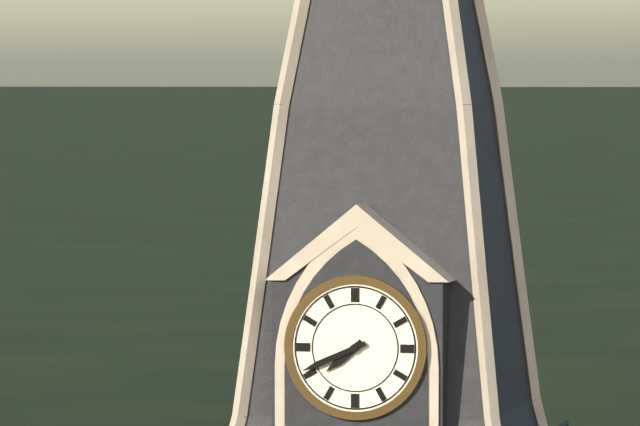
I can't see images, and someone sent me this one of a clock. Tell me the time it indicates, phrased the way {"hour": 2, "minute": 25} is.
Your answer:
{"hour": 7, "minute": 41}
